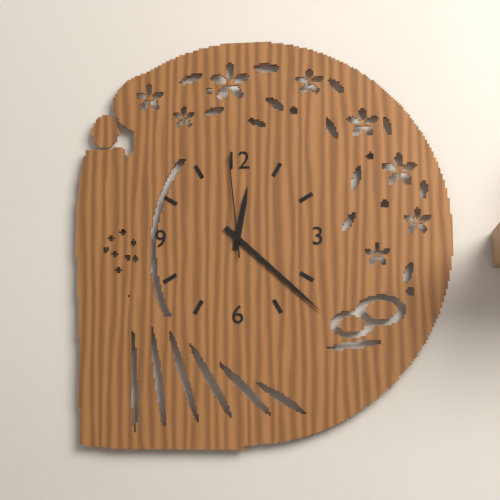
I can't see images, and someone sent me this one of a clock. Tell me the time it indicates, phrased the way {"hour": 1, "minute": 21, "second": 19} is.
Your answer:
{"hour": 12, "minute": 22, "second": 59}
